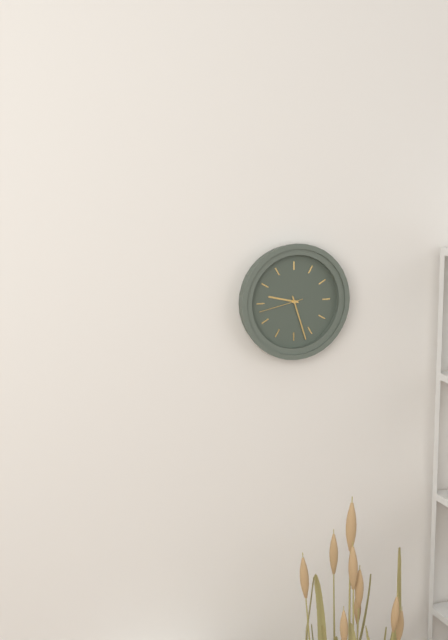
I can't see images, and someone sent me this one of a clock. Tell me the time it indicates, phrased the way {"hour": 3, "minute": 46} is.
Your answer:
{"hour": 9, "minute": 27}
